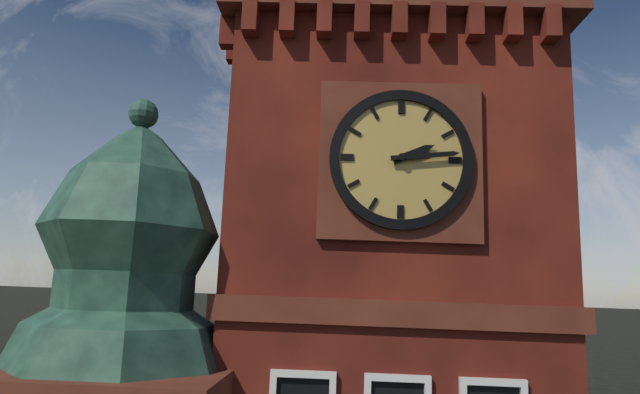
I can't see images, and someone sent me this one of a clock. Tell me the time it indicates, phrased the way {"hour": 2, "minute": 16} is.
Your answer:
{"hour": 2, "minute": 14}
